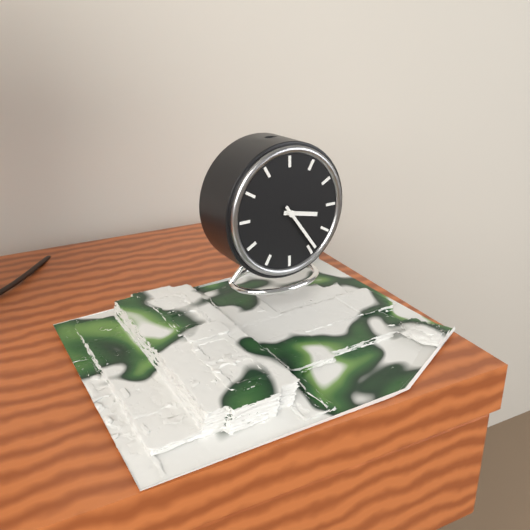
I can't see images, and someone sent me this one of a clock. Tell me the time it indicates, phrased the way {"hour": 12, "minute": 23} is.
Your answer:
{"hour": 3, "minute": 24}
